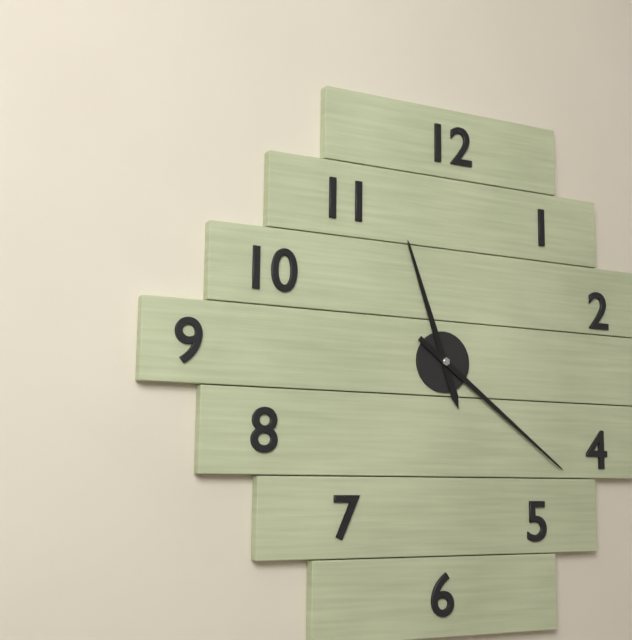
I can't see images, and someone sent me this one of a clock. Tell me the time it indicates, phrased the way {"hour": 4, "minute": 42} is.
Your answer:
{"hour": 11, "minute": 21}
